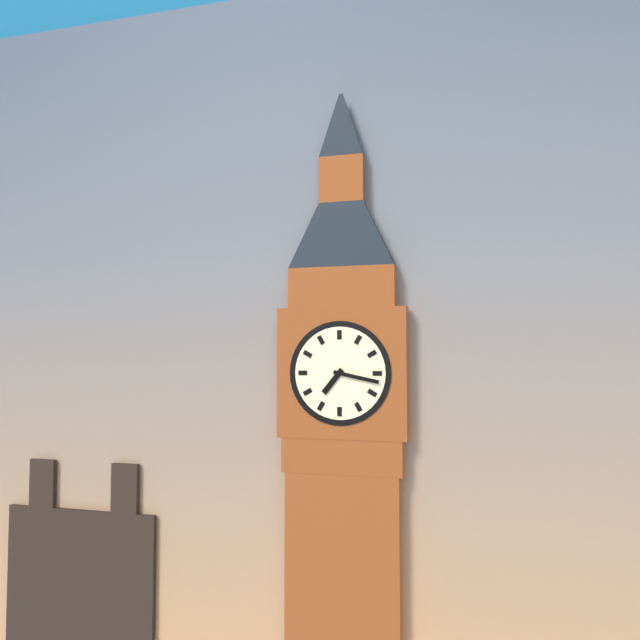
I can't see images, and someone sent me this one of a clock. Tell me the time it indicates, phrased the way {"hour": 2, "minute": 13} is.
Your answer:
{"hour": 7, "minute": 17}
